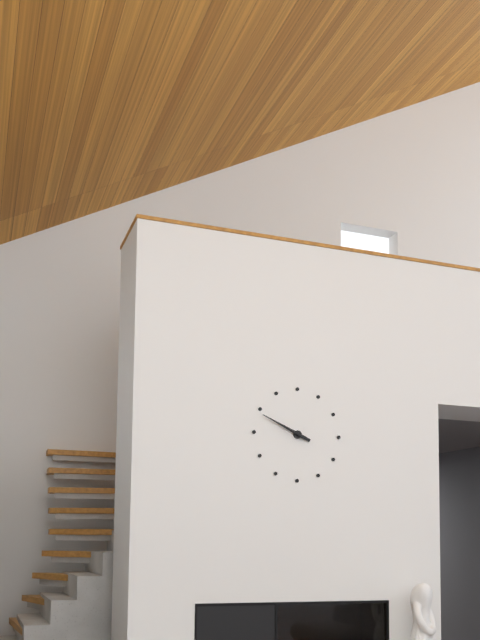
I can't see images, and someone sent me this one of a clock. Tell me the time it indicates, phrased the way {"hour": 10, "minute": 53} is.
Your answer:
{"hour": 9, "minute": 49}
